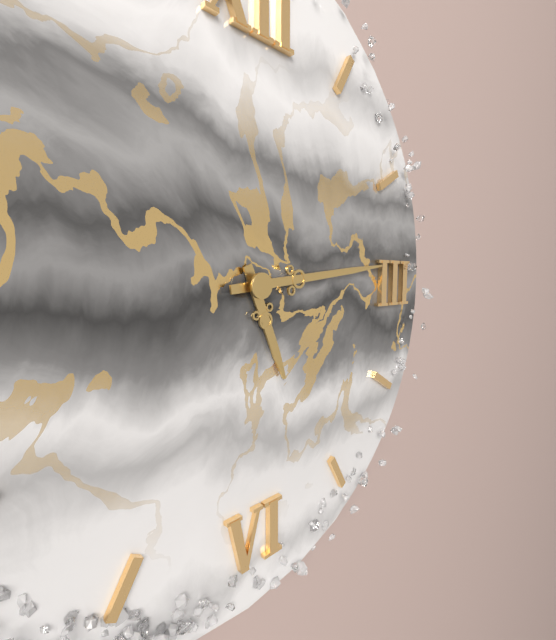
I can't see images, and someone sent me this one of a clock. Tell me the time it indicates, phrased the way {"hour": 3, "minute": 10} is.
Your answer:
{"hour": 5, "minute": 14}
